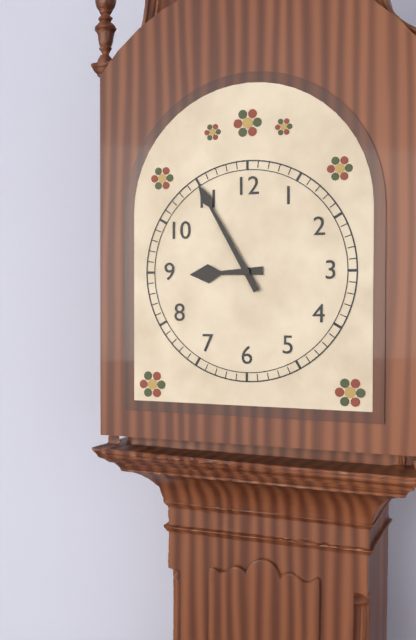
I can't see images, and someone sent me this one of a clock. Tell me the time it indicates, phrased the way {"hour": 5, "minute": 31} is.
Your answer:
{"hour": 8, "minute": 55}
